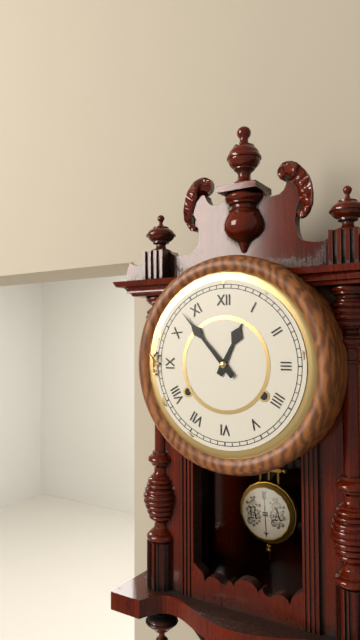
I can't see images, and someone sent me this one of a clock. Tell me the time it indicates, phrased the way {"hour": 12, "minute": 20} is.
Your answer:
{"hour": 12, "minute": 53}
